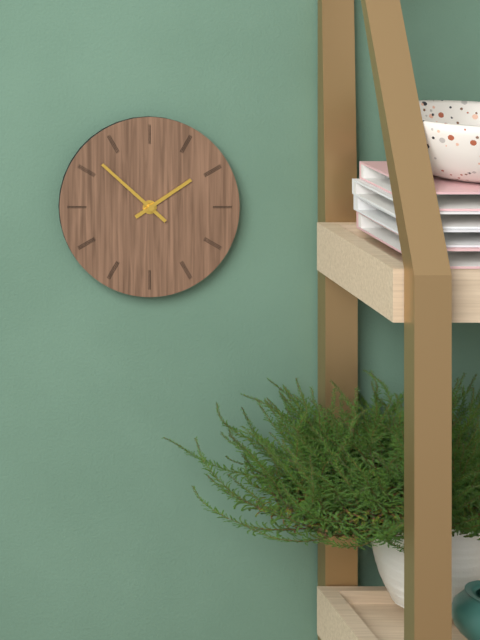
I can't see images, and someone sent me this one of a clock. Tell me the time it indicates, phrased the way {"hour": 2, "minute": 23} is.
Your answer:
{"hour": 1, "minute": 52}
